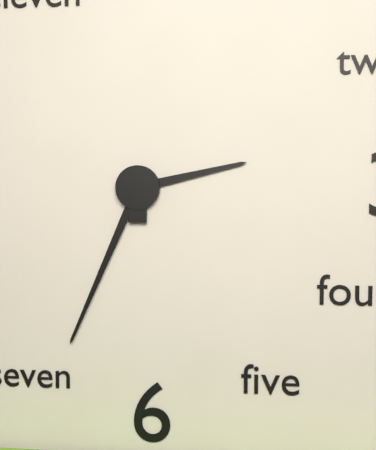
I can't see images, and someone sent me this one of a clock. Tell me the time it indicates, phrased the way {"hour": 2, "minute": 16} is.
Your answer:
{"hour": 2, "minute": 34}
